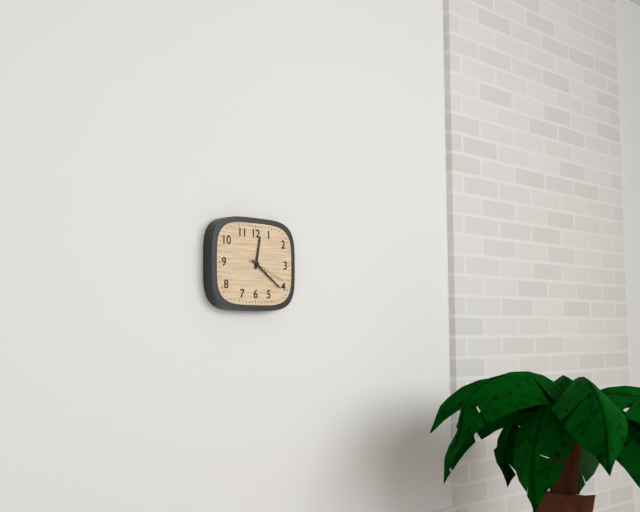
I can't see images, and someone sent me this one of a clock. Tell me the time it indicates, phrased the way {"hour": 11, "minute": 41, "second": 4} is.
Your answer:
{"hour": 12, "minute": 21, "second": 19}
